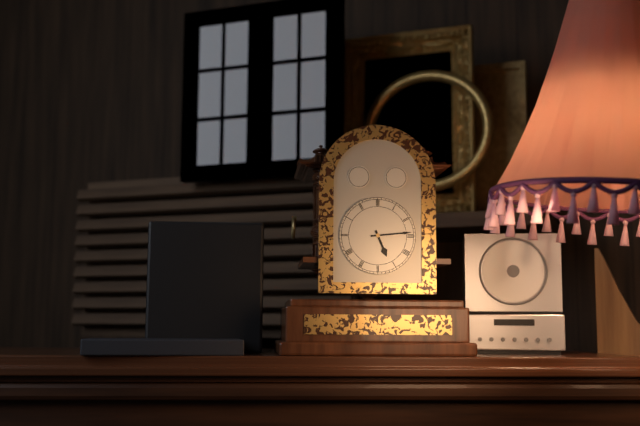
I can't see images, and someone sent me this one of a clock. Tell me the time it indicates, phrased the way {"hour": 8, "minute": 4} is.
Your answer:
{"hour": 5, "minute": 14}
